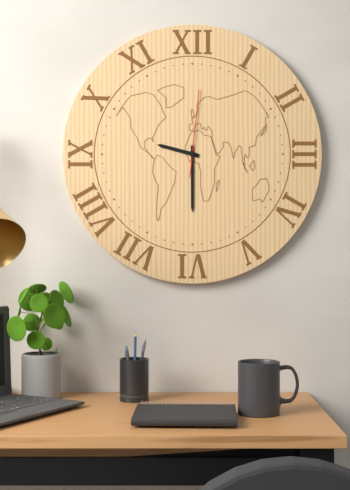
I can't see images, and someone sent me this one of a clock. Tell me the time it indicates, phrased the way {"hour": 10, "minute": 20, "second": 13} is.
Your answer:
{"hour": 9, "minute": 30, "second": 1}
